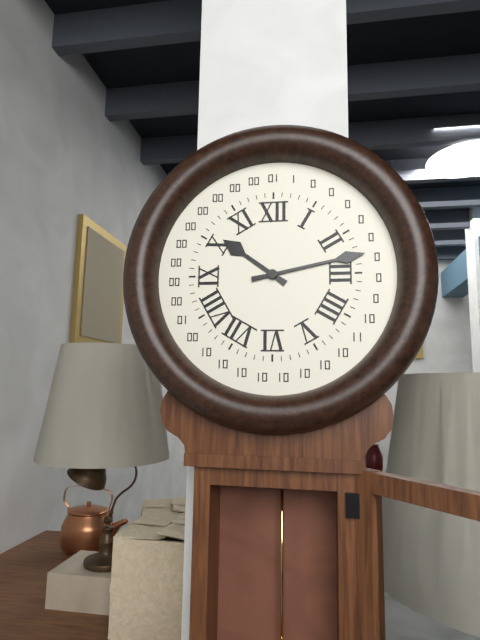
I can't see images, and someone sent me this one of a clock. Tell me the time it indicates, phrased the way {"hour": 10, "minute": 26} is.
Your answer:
{"hour": 10, "minute": 13}
